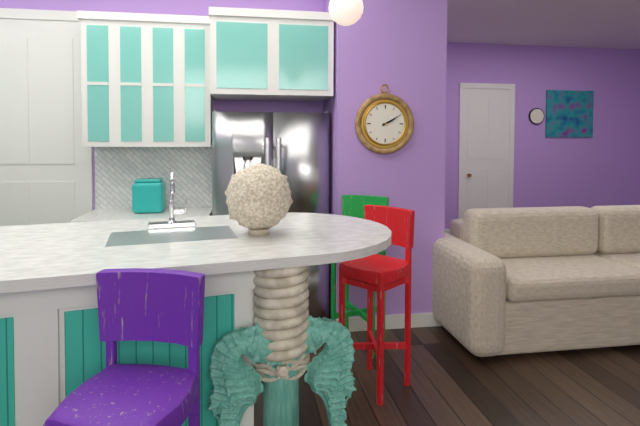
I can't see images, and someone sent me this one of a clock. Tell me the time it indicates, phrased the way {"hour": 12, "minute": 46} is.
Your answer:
{"hour": 2, "minute": 10}
